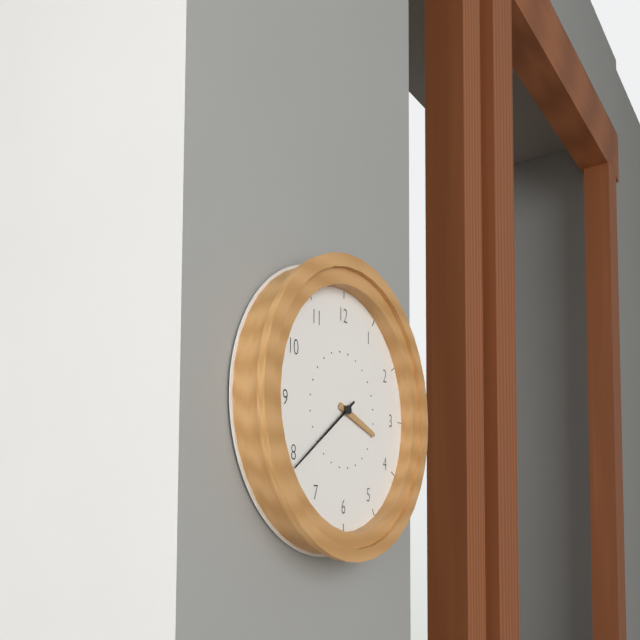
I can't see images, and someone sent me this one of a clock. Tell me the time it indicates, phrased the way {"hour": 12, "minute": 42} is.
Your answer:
{"hour": 3, "minute": 39}
